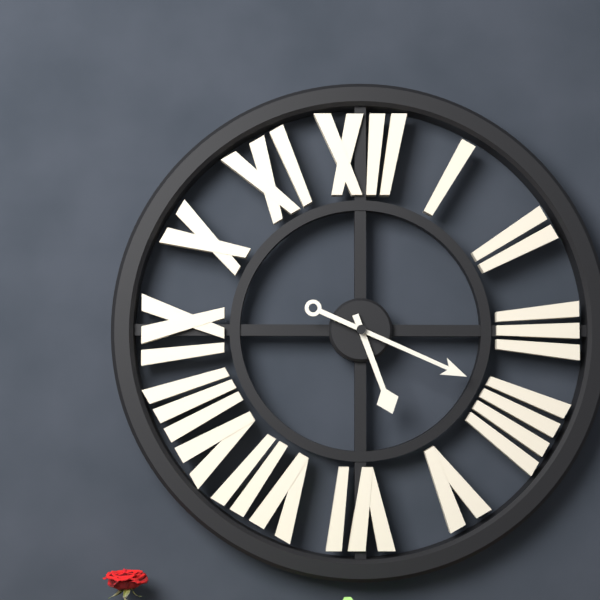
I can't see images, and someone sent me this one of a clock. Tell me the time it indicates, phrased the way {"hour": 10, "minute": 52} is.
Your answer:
{"hour": 5, "minute": 19}
